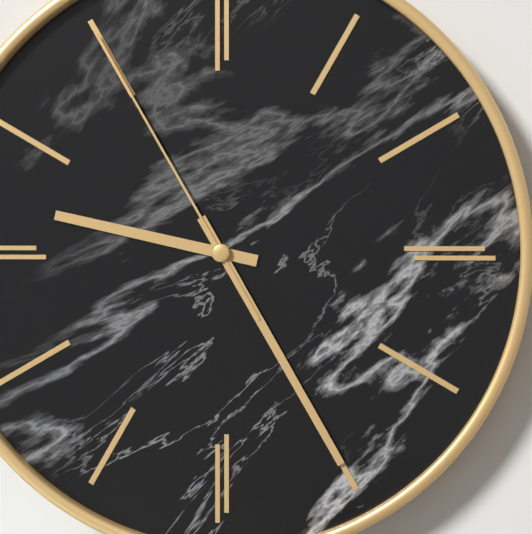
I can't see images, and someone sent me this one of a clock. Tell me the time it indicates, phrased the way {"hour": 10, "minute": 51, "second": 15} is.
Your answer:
{"hour": 9, "minute": 25, "second": 55}
